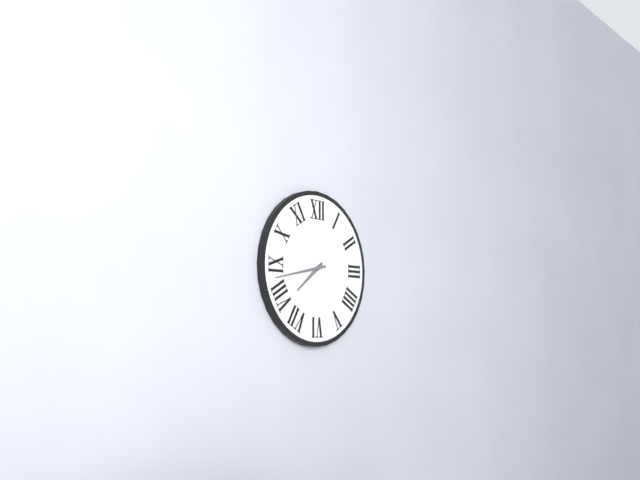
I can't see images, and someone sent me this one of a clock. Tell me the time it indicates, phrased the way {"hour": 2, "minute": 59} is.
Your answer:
{"hour": 7, "minute": 43}
